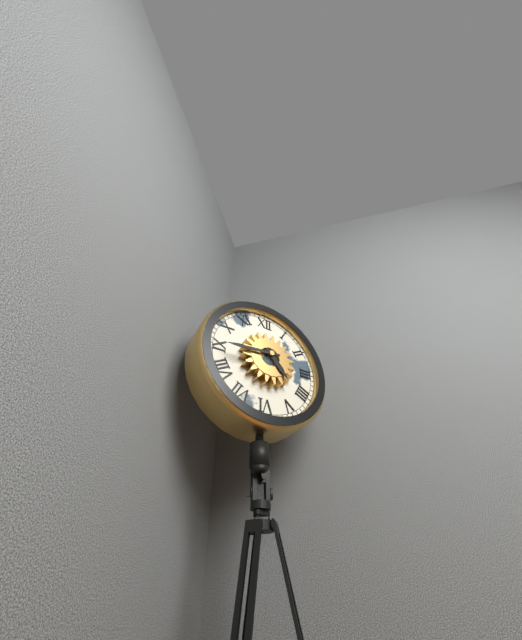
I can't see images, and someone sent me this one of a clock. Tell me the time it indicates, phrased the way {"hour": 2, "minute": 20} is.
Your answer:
{"hour": 4, "minute": 44}
